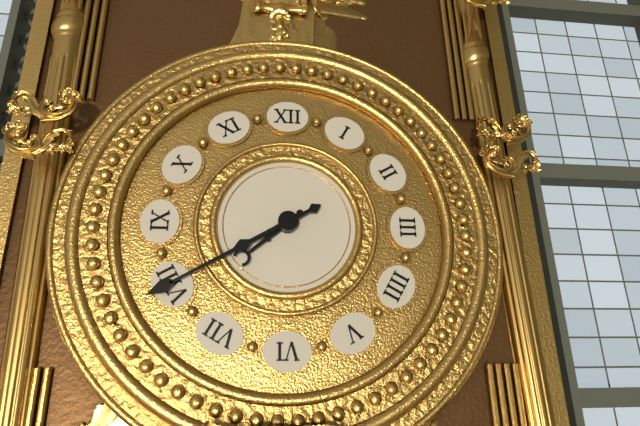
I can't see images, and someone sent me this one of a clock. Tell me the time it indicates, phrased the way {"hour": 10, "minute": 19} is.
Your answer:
{"hour": 7, "minute": 40}
